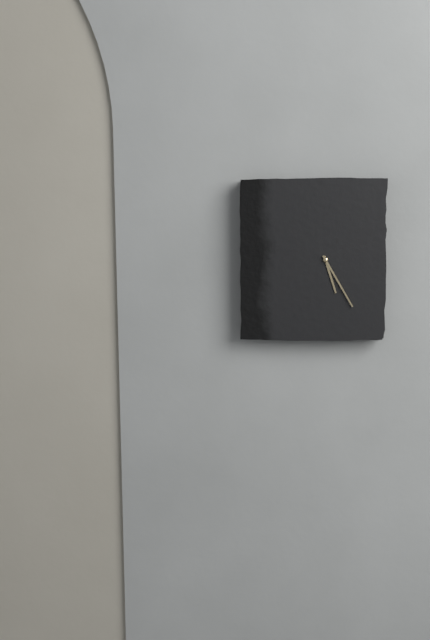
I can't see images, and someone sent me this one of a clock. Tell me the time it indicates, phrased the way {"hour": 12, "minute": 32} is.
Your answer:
{"hour": 5, "minute": 25}
